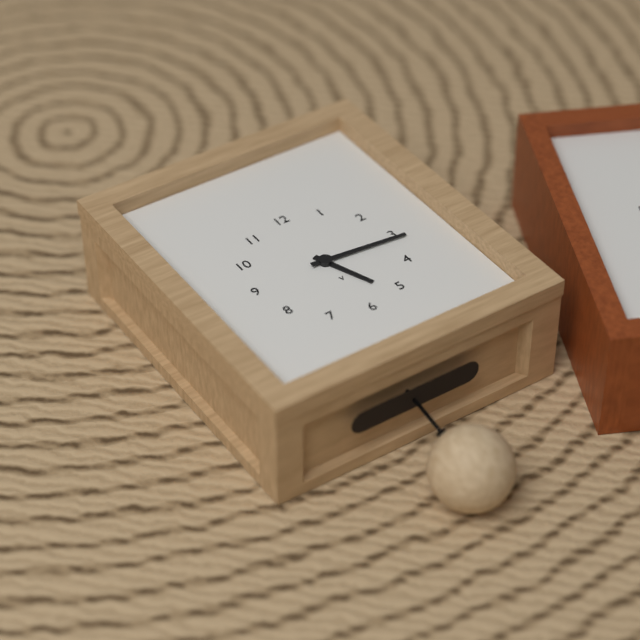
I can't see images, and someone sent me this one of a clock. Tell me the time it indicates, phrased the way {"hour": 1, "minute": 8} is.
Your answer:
{"hour": 5, "minute": 16}
